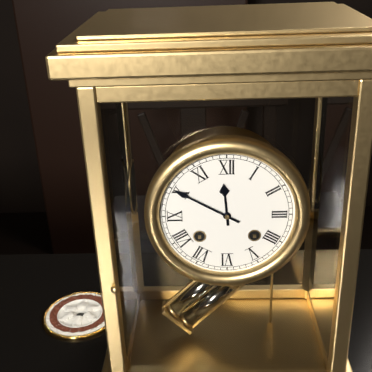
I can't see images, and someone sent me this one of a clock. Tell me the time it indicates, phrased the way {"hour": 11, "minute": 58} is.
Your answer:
{"hour": 11, "minute": 50}
